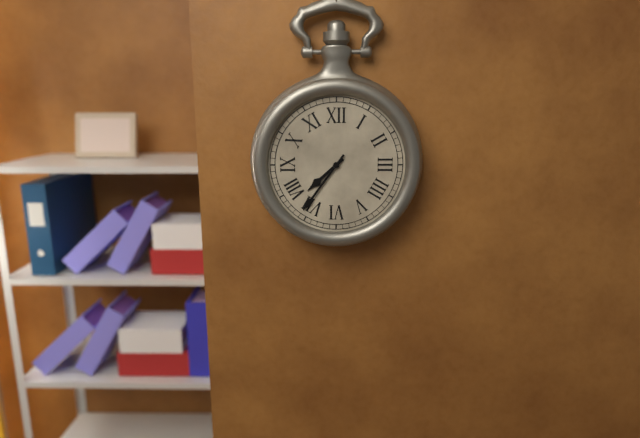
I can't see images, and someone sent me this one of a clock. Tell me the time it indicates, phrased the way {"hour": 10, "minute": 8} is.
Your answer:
{"hour": 7, "minute": 36}
